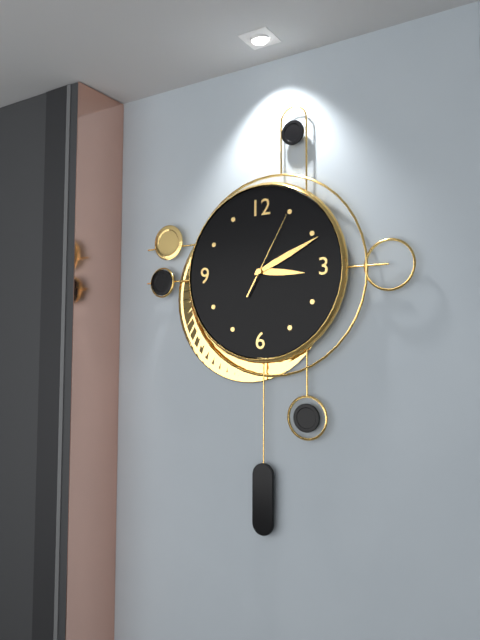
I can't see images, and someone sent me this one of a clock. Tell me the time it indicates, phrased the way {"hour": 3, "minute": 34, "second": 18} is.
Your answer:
{"hour": 3, "minute": 11, "second": 5}
